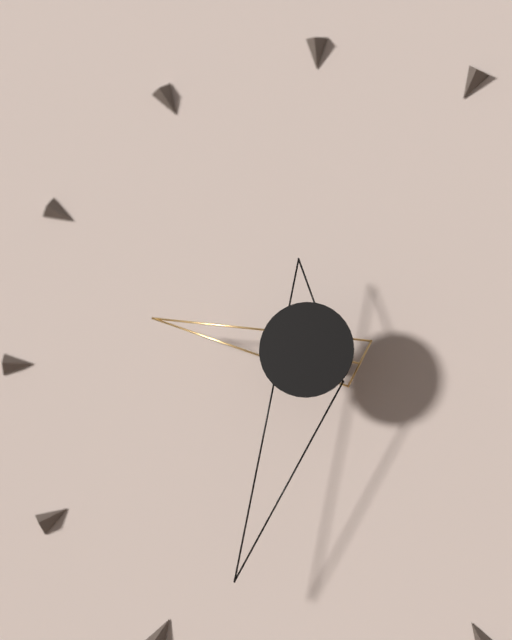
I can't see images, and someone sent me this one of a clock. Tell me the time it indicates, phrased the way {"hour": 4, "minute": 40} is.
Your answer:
{"hour": 9, "minute": 33}
